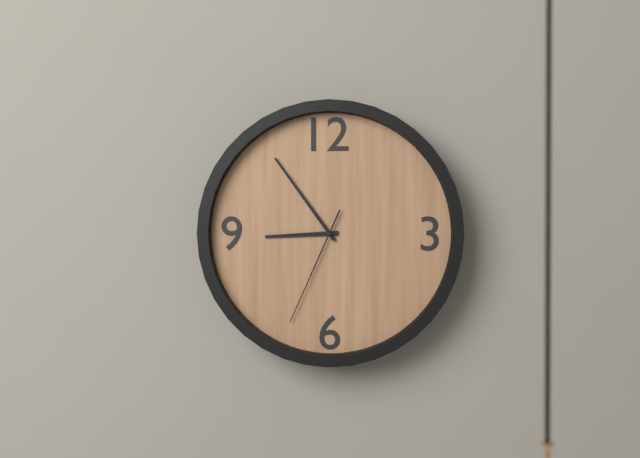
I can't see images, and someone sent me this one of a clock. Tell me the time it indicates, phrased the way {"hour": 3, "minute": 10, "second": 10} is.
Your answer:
{"hour": 8, "minute": 54, "second": 34}
